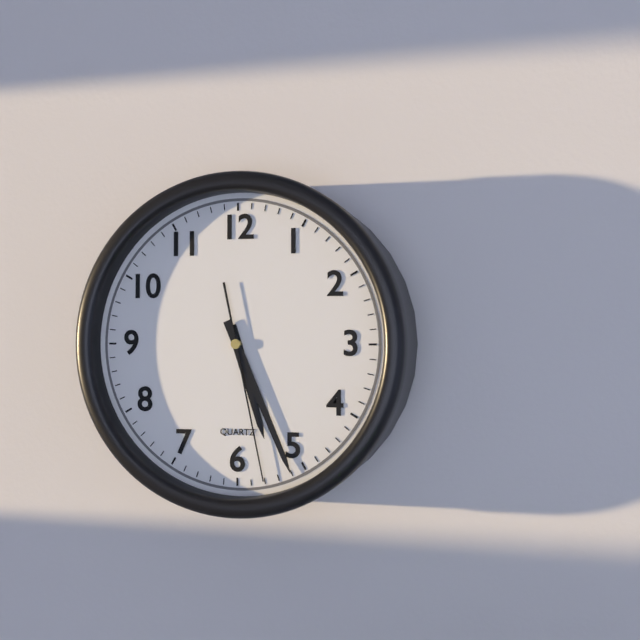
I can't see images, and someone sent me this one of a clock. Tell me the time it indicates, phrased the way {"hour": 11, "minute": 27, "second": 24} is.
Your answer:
{"hour": 5, "minute": 26, "second": 28}
